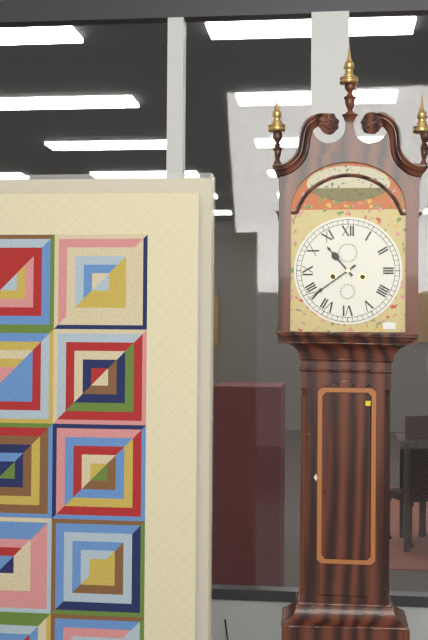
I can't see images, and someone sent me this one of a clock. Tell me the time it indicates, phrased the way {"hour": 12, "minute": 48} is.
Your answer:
{"hour": 10, "minute": 39}
